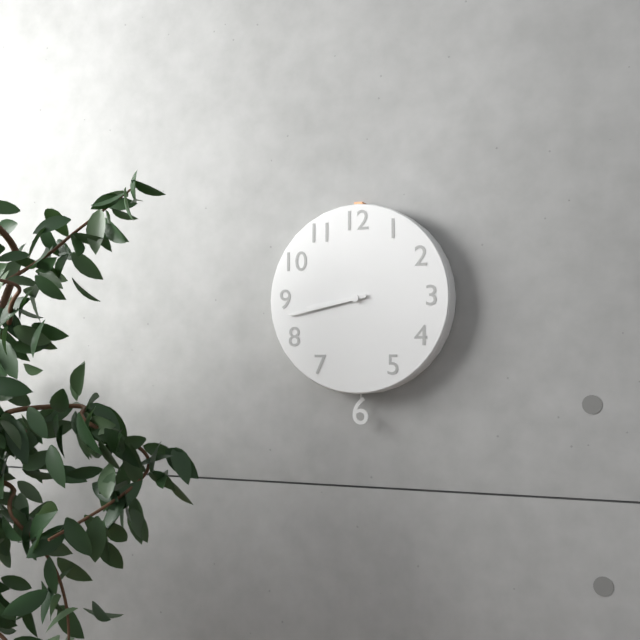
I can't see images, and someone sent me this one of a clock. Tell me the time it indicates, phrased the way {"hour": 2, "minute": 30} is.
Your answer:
{"hour": 8, "minute": 43}
